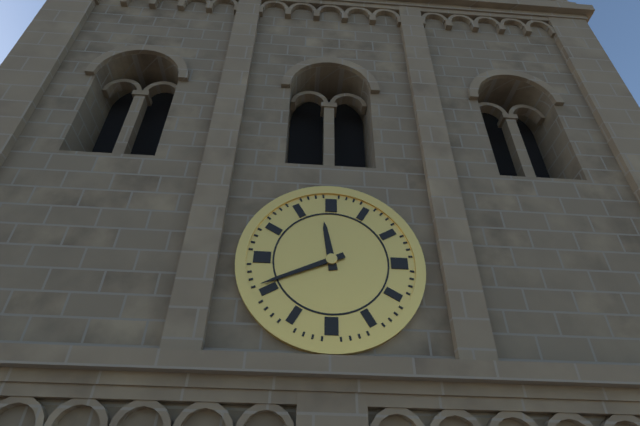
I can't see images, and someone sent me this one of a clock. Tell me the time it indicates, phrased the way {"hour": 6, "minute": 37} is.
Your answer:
{"hour": 11, "minute": 41}
